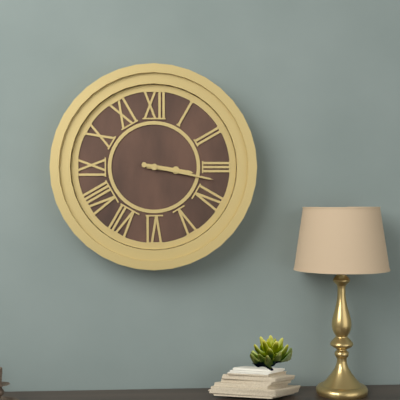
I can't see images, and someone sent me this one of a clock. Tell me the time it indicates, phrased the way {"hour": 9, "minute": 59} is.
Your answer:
{"hour": 3, "minute": 17}
